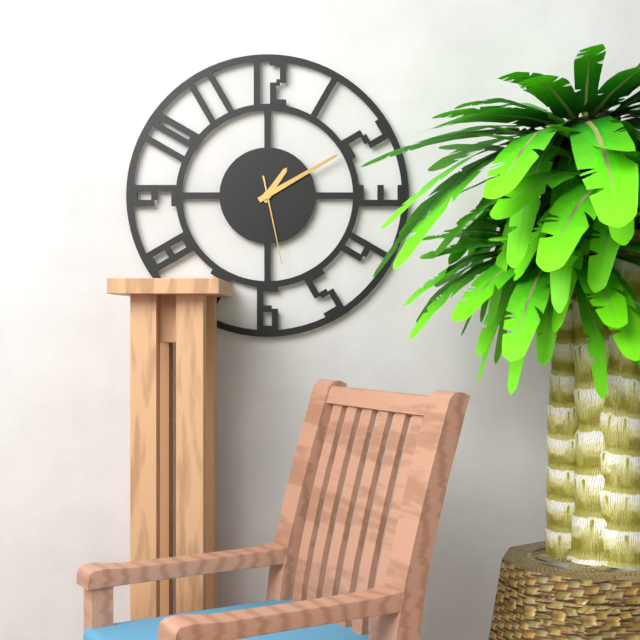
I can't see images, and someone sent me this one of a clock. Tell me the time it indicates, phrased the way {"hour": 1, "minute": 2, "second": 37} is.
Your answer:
{"hour": 1, "minute": 10, "second": 28}
